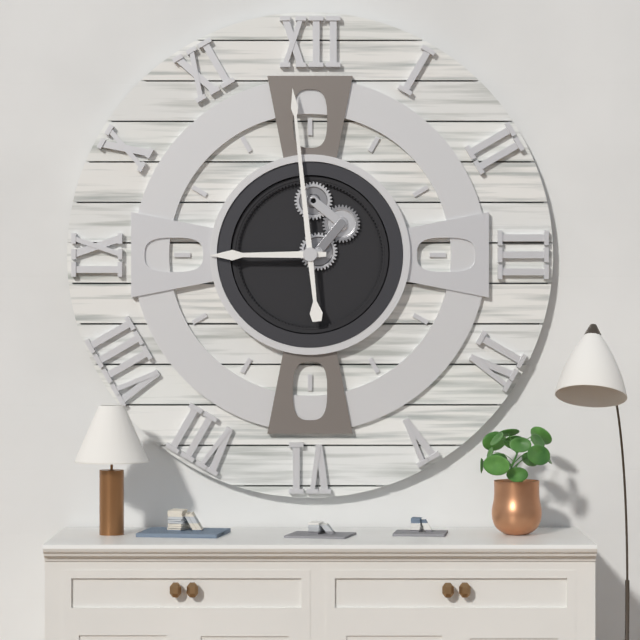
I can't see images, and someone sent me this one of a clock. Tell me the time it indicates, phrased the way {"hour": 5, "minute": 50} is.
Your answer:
{"hour": 8, "minute": 59}
